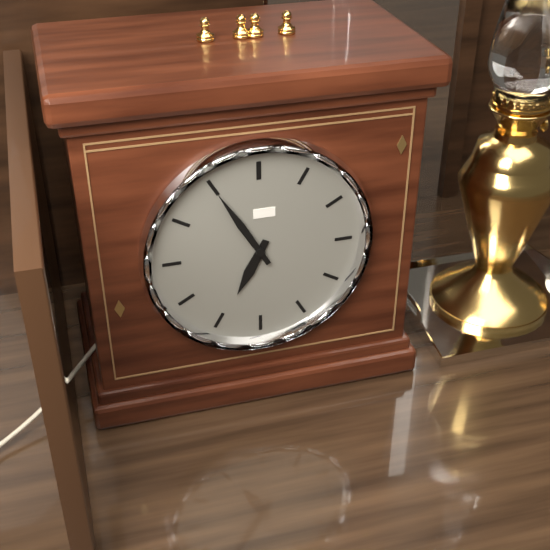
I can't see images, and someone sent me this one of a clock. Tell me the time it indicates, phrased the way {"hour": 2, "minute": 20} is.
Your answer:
{"hour": 6, "minute": 55}
